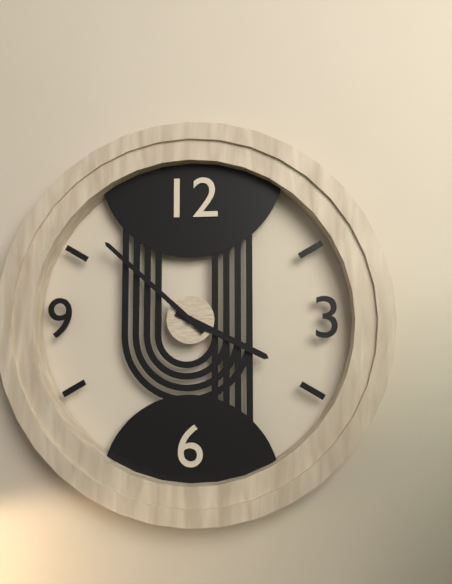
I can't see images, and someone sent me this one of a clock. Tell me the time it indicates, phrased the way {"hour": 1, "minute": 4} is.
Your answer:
{"hour": 3, "minute": 52}
